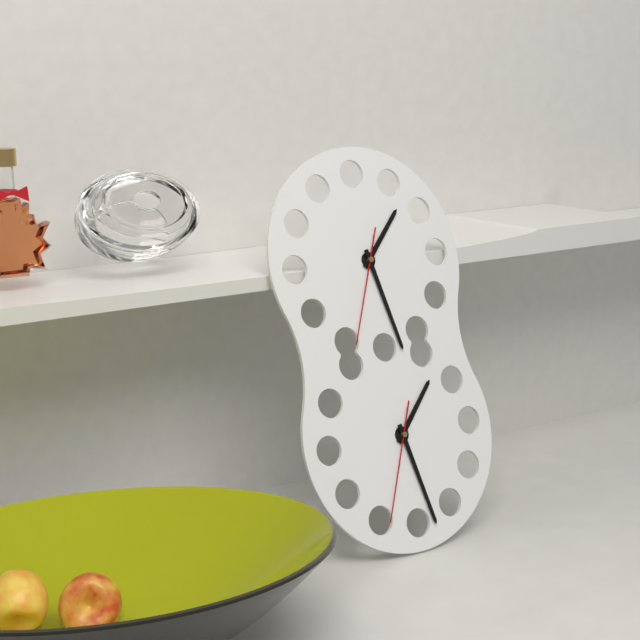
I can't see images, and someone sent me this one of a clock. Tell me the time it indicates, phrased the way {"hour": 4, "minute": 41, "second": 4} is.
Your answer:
{"hour": 1, "minute": 28, "second": 34}
